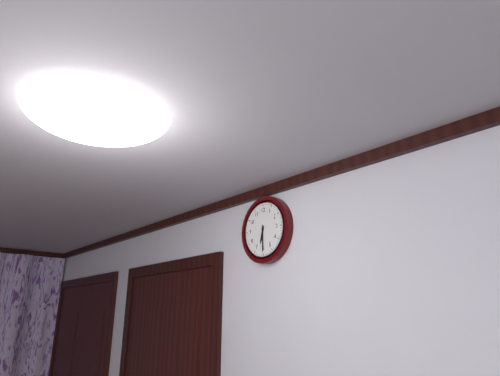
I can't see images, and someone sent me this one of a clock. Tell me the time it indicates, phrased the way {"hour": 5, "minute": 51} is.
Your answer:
{"hour": 6, "minute": 30}
